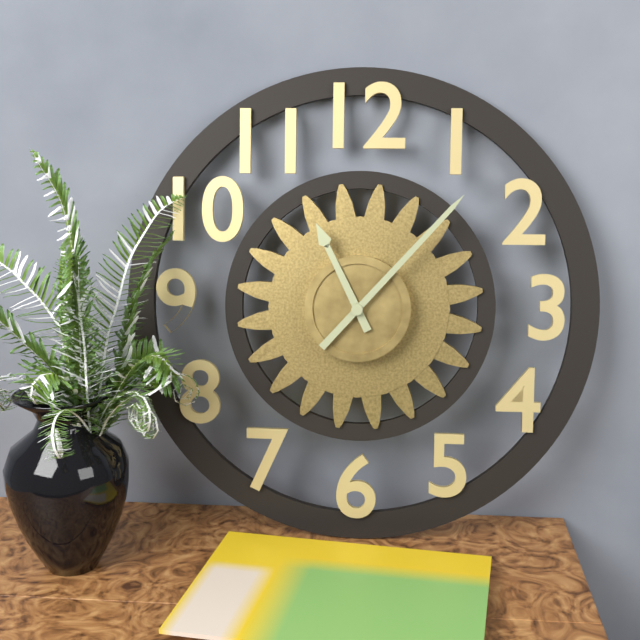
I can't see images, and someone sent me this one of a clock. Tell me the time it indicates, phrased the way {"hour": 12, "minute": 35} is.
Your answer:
{"hour": 11, "minute": 7}
